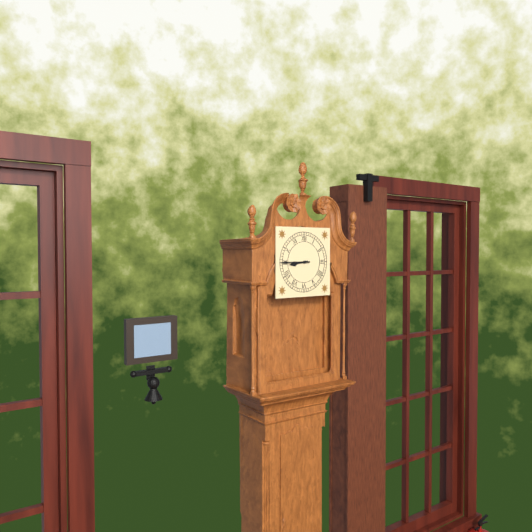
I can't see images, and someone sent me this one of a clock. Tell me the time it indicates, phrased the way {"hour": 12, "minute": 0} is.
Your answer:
{"hour": 8, "minute": 45}
